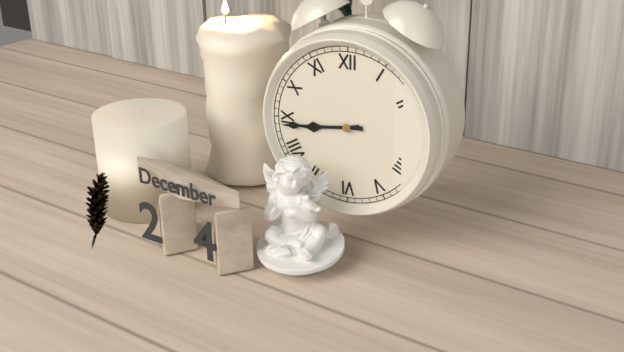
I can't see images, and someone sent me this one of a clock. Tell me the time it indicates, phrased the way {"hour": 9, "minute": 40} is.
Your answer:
{"hour": 8, "minute": 44}
